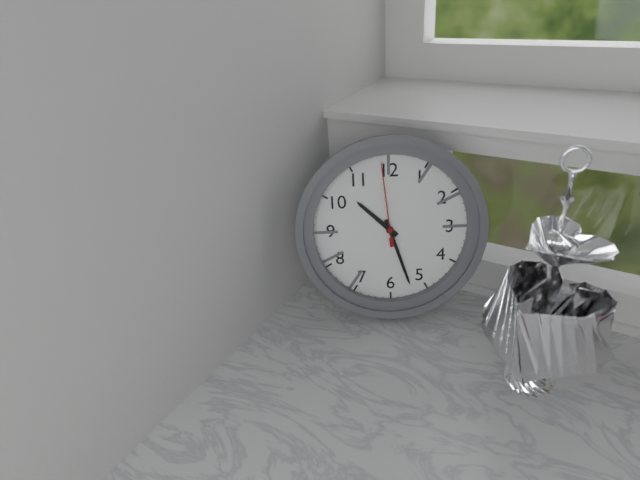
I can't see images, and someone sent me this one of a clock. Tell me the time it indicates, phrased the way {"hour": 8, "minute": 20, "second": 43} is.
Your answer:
{"hour": 10, "minute": 27, "second": 59}
